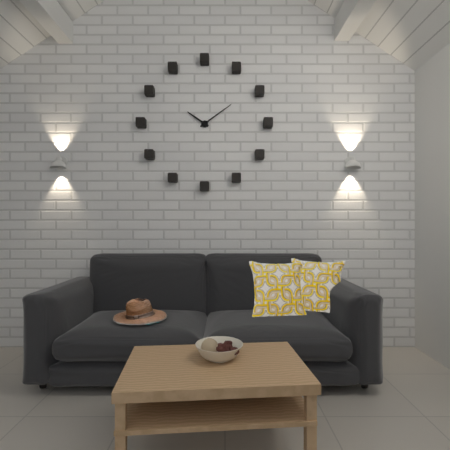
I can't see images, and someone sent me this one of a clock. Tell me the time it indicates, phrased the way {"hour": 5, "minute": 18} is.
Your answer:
{"hour": 10, "minute": 9}
